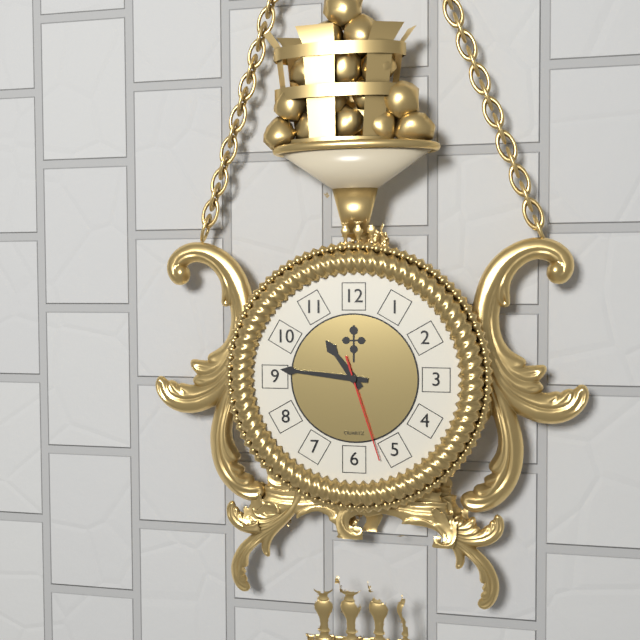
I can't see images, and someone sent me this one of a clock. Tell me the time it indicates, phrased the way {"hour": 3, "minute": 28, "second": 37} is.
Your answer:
{"hour": 10, "minute": 46, "second": 27}
